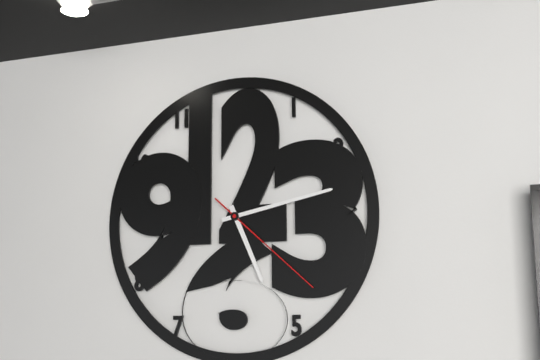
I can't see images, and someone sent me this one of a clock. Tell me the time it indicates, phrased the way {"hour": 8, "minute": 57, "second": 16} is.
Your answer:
{"hour": 5, "minute": 13, "second": 22}
